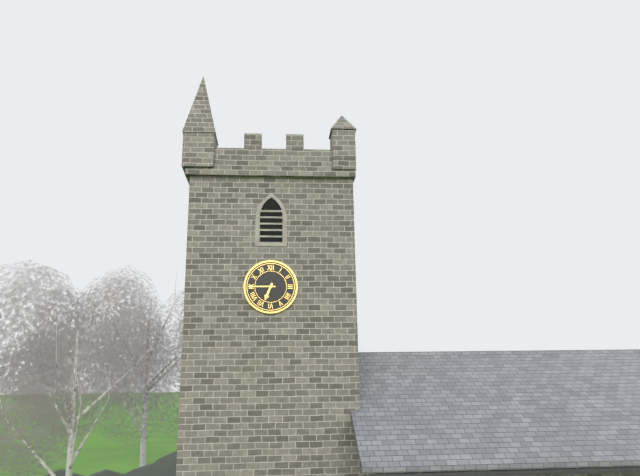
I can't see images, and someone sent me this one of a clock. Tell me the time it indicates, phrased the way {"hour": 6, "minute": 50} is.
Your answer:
{"hour": 6, "minute": 45}
